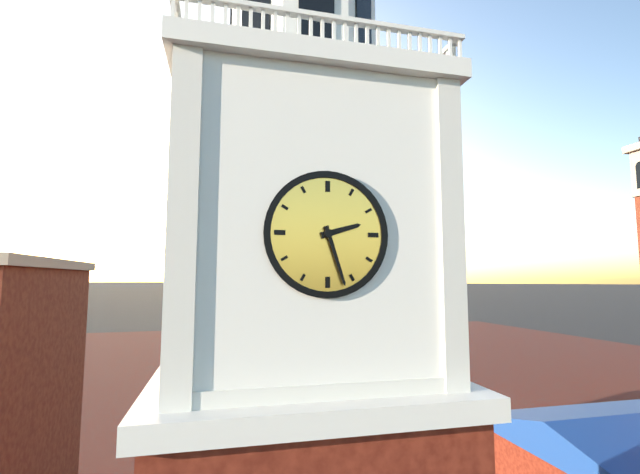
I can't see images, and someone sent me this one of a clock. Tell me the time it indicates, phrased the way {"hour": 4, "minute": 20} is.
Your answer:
{"hour": 2, "minute": 27}
